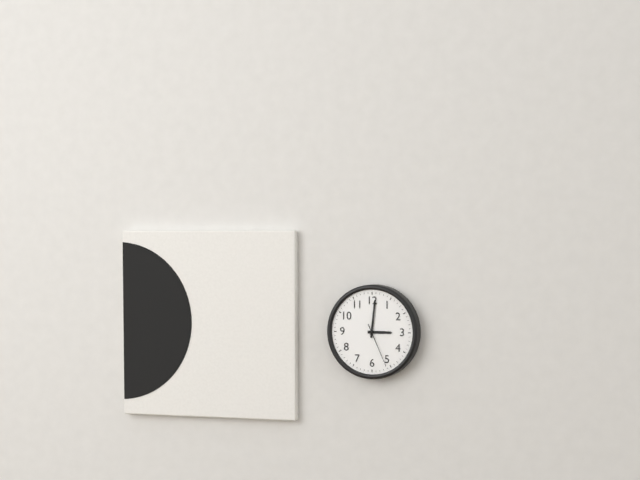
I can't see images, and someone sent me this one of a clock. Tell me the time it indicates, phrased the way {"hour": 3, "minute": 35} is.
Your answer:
{"hour": 3, "minute": 1}
